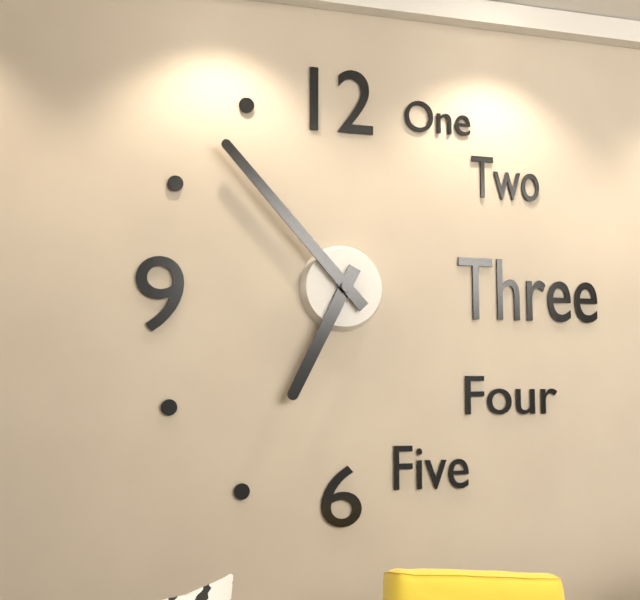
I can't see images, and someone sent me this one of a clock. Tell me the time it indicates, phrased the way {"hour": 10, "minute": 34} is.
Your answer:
{"hour": 6, "minute": 53}
